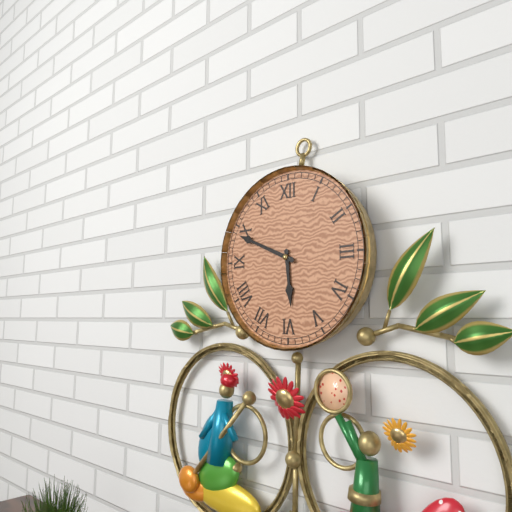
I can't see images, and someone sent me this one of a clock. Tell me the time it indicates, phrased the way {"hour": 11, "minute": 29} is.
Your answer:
{"hour": 5, "minute": 49}
